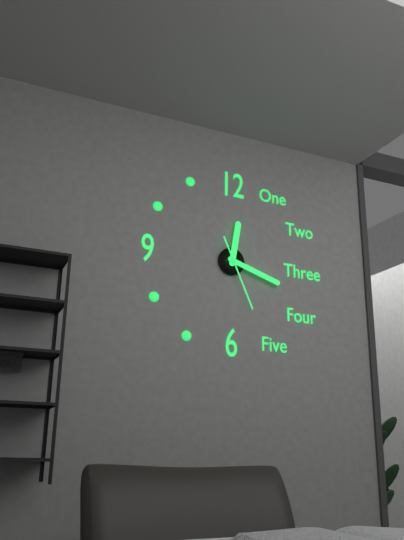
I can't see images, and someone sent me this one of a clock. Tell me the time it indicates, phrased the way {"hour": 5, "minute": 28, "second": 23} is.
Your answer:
{"hour": 12, "minute": 18, "second": 26}
